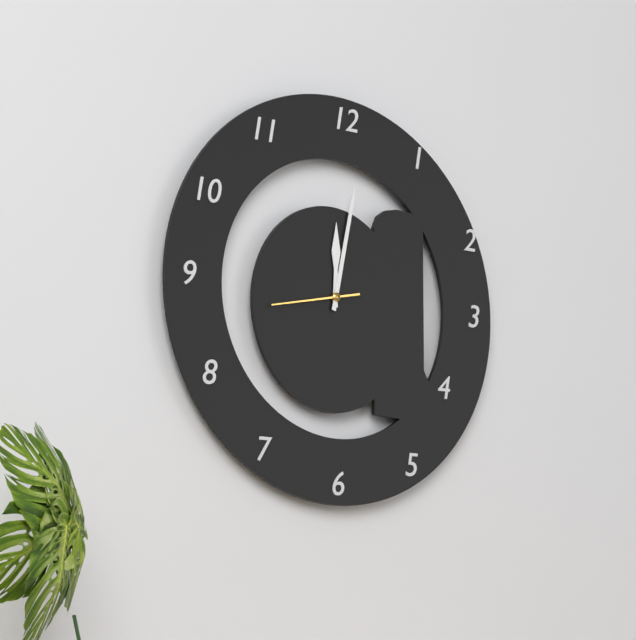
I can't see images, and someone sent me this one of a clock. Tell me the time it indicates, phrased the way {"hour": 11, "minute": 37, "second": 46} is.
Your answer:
{"hour": 12, "minute": 2, "second": 43}
